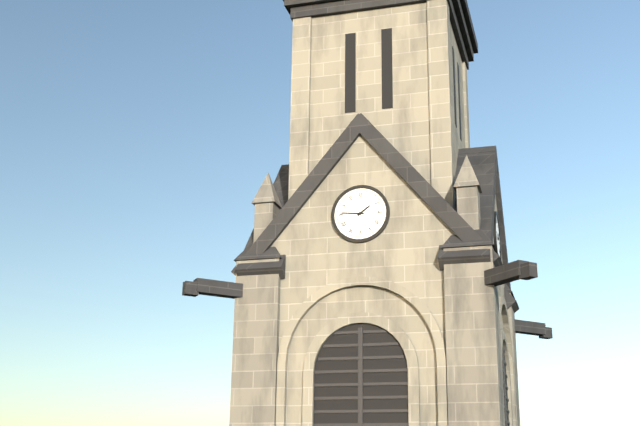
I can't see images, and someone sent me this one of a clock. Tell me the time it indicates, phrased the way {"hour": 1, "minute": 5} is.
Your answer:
{"hour": 1, "minute": 46}
